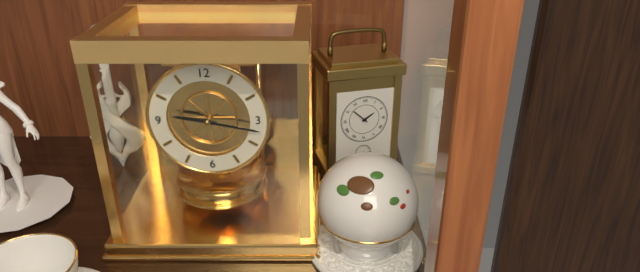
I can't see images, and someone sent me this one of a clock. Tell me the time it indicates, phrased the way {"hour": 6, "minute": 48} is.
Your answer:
{"hour": 9, "minute": 17}
